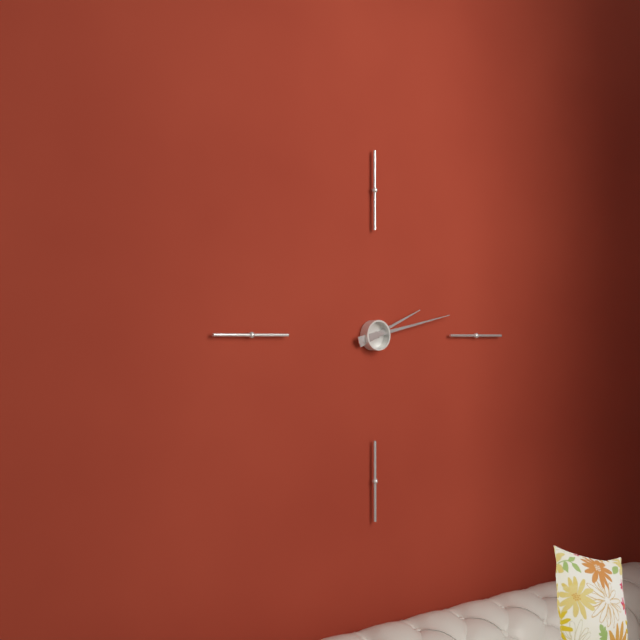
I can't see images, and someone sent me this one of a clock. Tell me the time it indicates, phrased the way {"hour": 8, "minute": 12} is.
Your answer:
{"hour": 2, "minute": 13}
